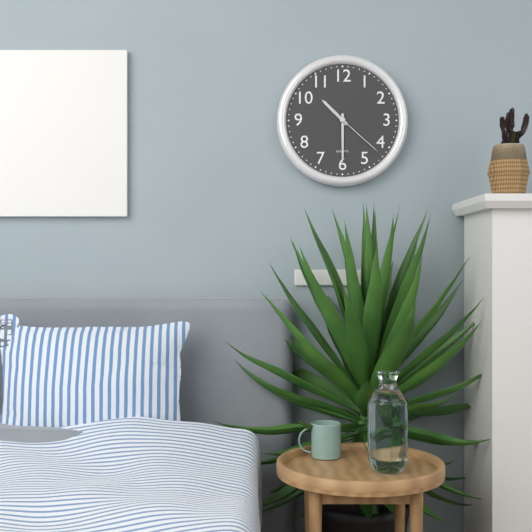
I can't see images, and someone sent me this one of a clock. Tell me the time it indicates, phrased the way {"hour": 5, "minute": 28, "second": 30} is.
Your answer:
{"hour": 10, "minute": 30, "second": 22}
